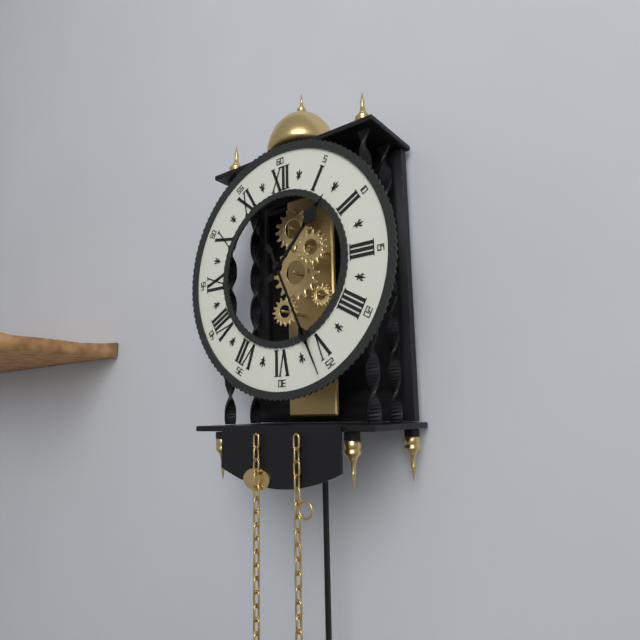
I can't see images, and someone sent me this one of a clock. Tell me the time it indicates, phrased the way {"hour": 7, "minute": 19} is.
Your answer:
{"hour": 1, "minute": 26}
